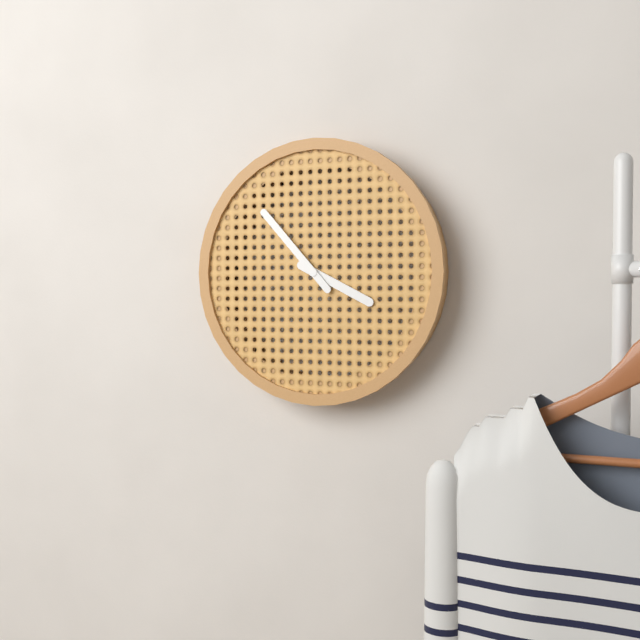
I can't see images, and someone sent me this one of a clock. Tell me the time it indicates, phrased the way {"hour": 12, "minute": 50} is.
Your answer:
{"hour": 3, "minute": 53}
